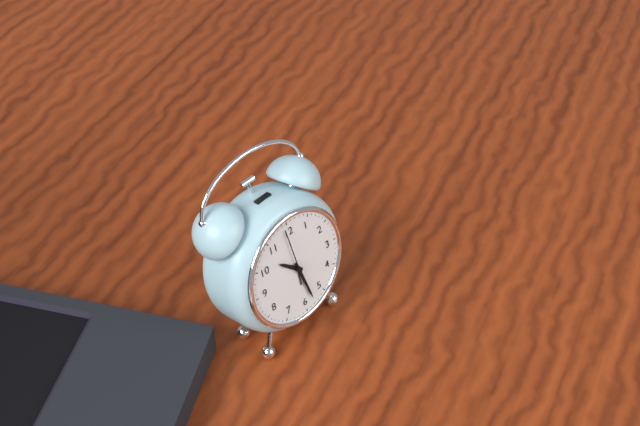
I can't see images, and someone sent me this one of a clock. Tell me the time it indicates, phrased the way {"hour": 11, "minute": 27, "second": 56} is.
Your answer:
{"hour": 10, "minute": 28, "second": 59}
